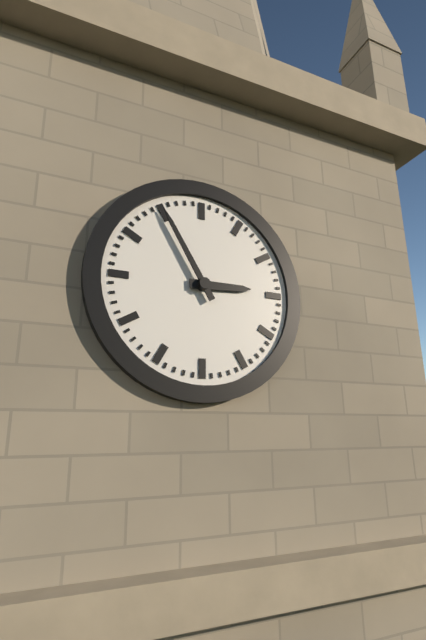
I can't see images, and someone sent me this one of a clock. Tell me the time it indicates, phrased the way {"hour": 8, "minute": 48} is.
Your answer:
{"hour": 2, "minute": 55}
